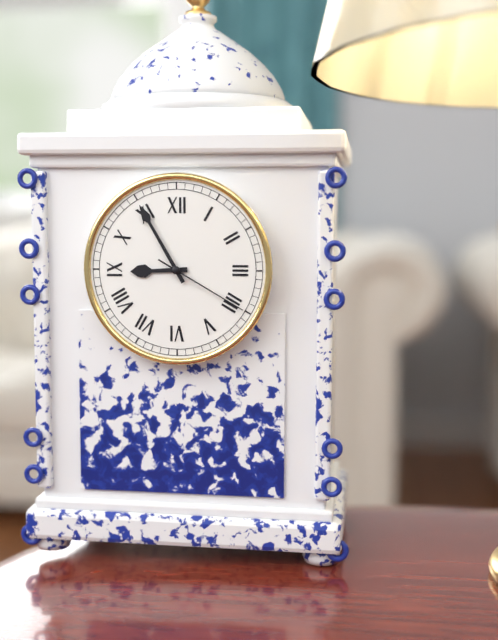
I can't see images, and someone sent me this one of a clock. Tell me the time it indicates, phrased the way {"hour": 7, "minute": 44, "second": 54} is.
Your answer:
{"hour": 8, "minute": 55, "second": 20}
